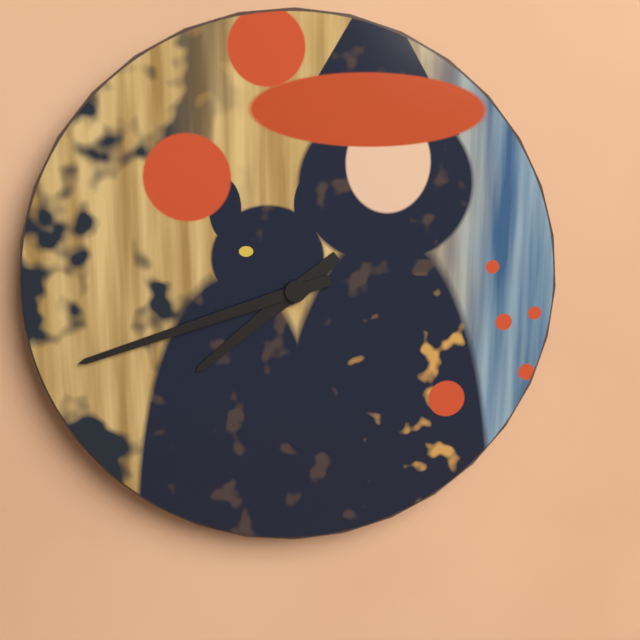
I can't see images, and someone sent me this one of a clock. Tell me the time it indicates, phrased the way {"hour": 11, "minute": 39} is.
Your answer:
{"hour": 7, "minute": 42}
